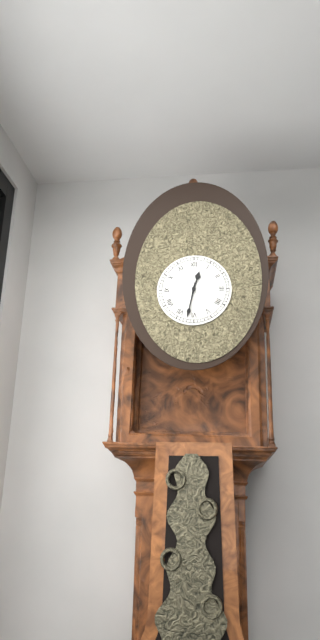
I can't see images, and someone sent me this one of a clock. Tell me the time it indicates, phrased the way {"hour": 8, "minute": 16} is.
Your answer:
{"hour": 12, "minute": 32}
